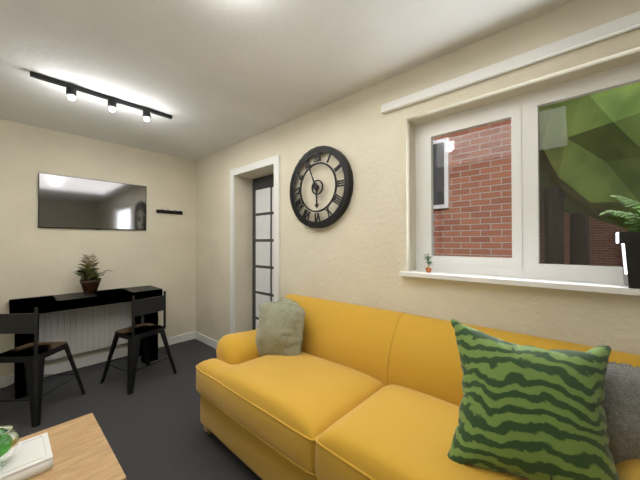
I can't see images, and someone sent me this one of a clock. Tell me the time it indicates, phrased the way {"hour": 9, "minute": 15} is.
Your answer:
{"hour": 5, "minute": 56}
